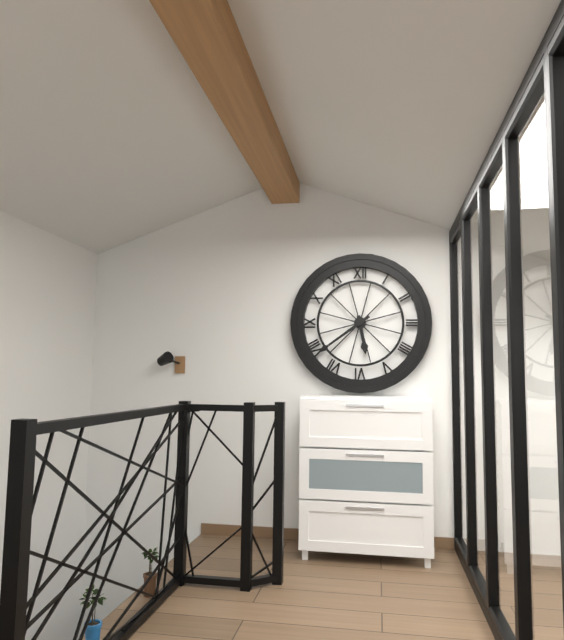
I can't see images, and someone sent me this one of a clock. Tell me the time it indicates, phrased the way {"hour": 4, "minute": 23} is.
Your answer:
{"hour": 5, "minute": 39}
